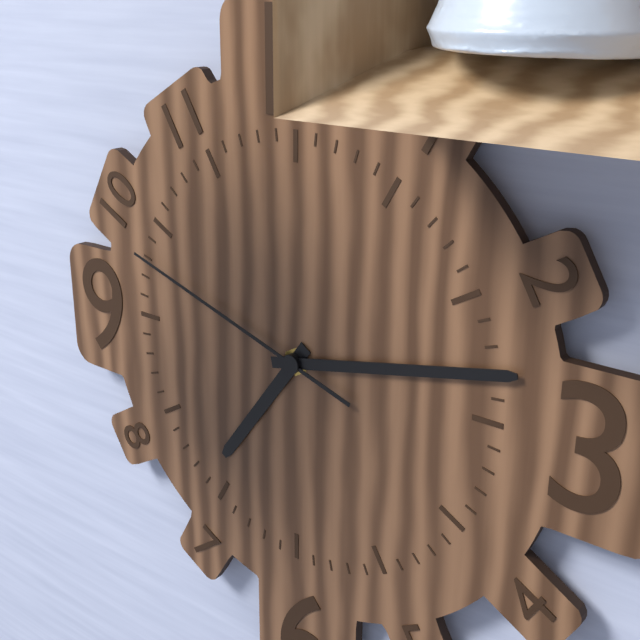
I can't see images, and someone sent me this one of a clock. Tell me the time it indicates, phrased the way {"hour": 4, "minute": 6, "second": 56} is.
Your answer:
{"hour": 7, "minute": 13, "second": 48}
